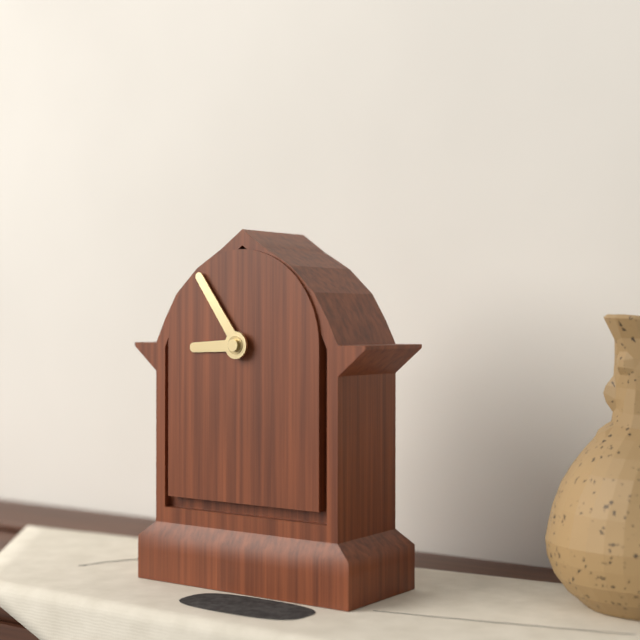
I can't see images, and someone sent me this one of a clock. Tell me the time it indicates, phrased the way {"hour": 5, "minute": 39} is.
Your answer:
{"hour": 8, "minute": 54}
